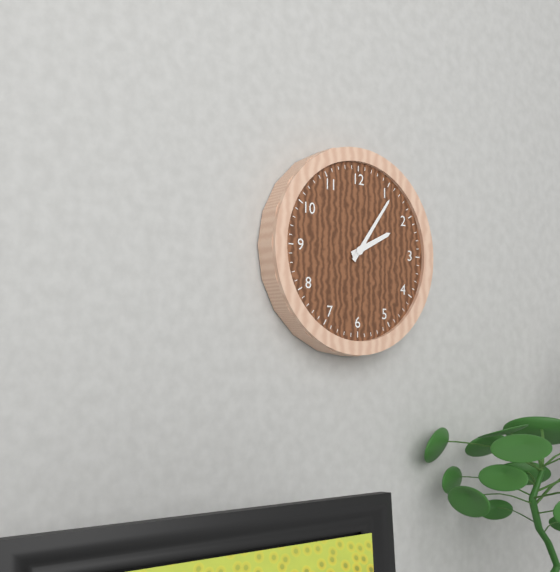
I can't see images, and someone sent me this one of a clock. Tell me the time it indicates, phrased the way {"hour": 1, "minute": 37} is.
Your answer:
{"hour": 2, "minute": 6}
